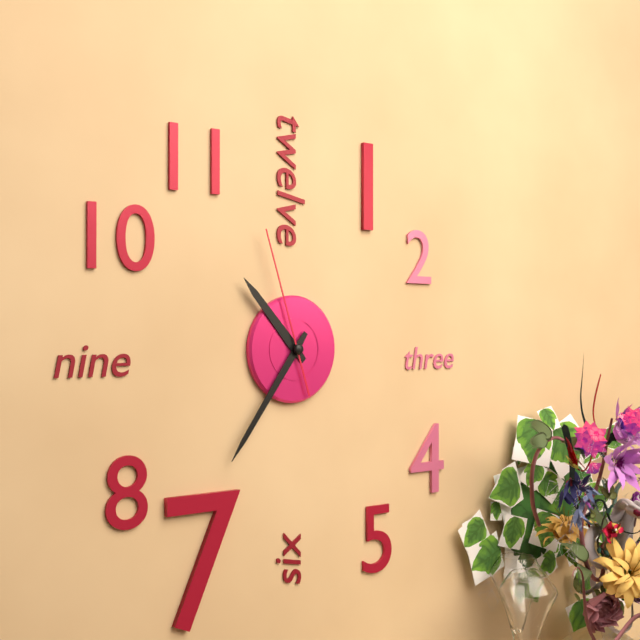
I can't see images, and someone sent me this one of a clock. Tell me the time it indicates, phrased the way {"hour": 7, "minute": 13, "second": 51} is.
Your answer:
{"hour": 10, "minute": 36, "second": 57}
